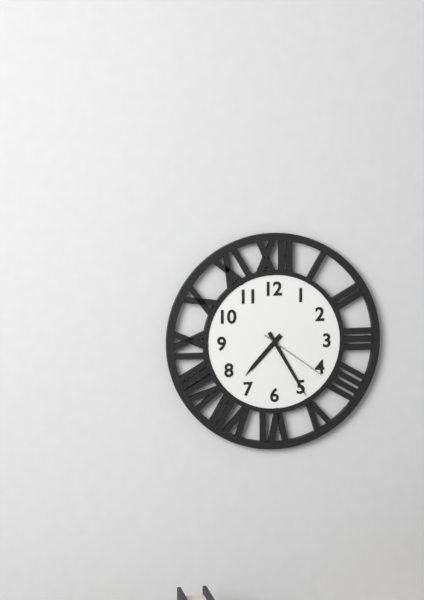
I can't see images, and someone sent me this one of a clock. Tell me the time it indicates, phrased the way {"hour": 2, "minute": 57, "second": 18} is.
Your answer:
{"hour": 7, "minute": 25, "second": 21}
